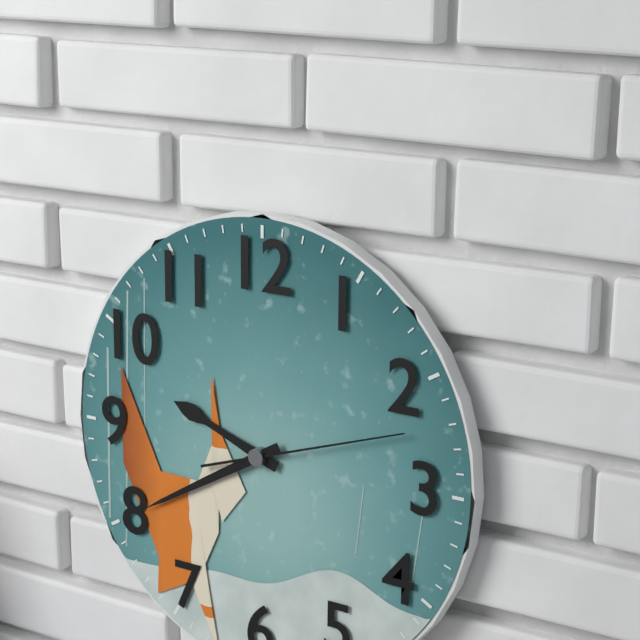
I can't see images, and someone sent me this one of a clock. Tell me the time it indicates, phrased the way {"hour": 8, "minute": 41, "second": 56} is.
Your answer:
{"hour": 9, "minute": 40, "second": 12}
